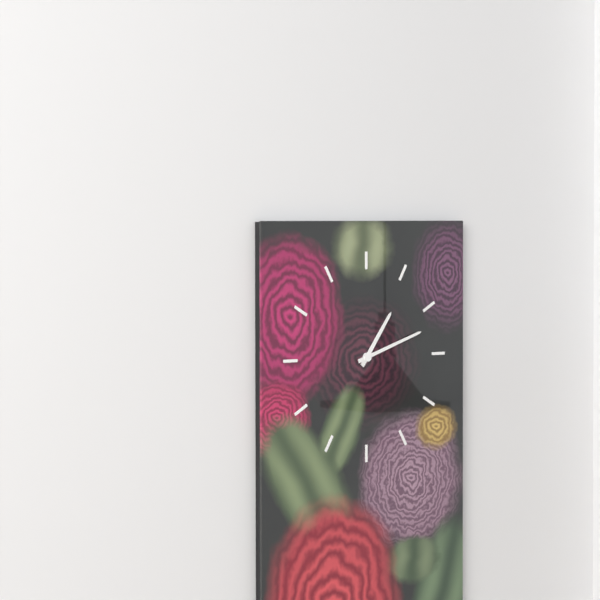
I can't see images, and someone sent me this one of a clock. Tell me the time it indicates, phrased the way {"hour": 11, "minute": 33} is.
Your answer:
{"hour": 1, "minute": 12}
